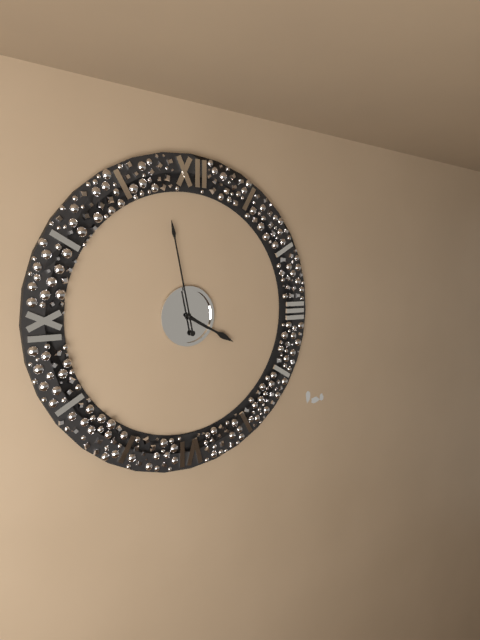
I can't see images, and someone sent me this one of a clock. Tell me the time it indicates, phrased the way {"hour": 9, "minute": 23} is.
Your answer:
{"hour": 3, "minute": 58}
